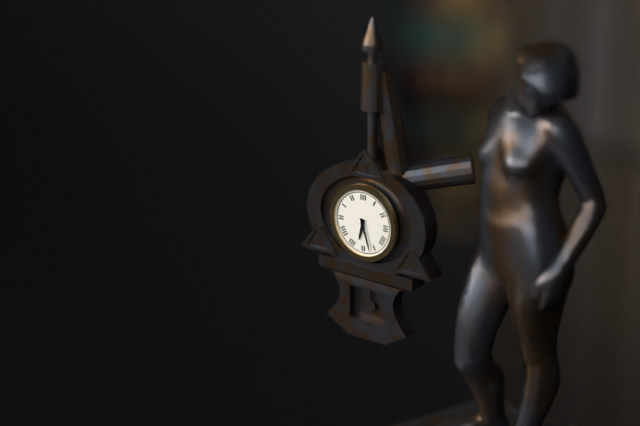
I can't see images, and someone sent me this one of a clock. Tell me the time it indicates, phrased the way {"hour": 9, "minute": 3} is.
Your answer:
{"hour": 6, "minute": 27}
